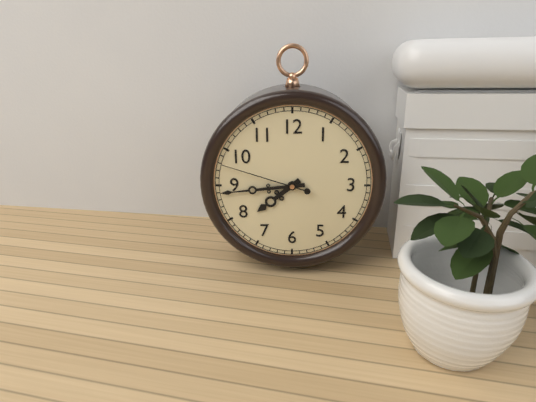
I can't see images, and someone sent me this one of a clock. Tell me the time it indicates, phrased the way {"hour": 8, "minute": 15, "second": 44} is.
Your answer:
{"hour": 7, "minute": 44, "second": 48}
